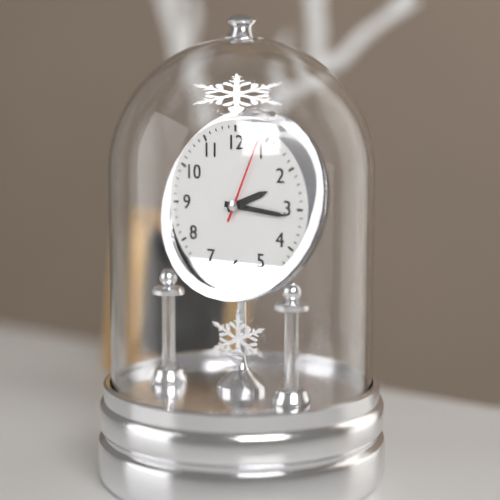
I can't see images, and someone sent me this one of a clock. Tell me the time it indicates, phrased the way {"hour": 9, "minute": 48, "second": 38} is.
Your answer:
{"hour": 2, "minute": 16, "second": 4}
